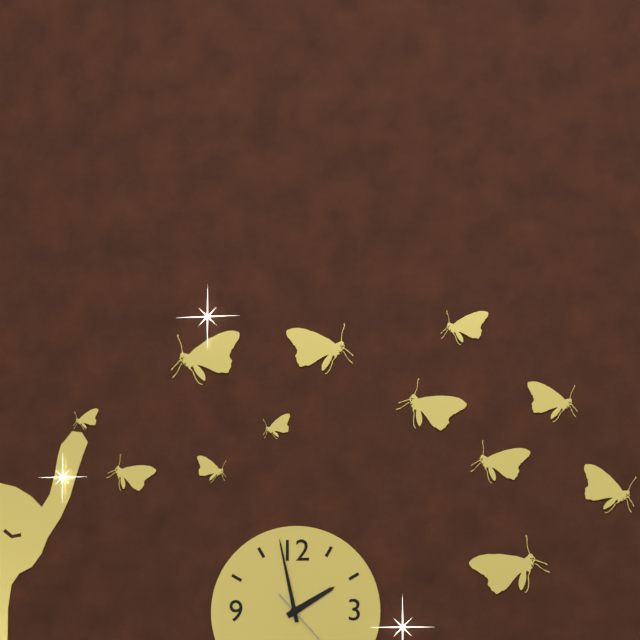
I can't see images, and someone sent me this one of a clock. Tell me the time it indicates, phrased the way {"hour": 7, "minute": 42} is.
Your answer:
{"hour": 1, "minute": 58}
